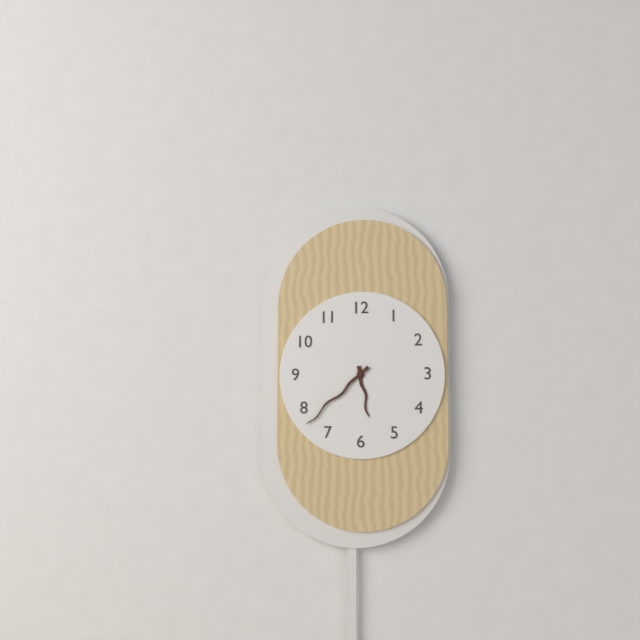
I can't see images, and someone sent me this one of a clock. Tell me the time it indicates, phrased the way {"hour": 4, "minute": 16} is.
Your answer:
{"hour": 5, "minute": 38}
